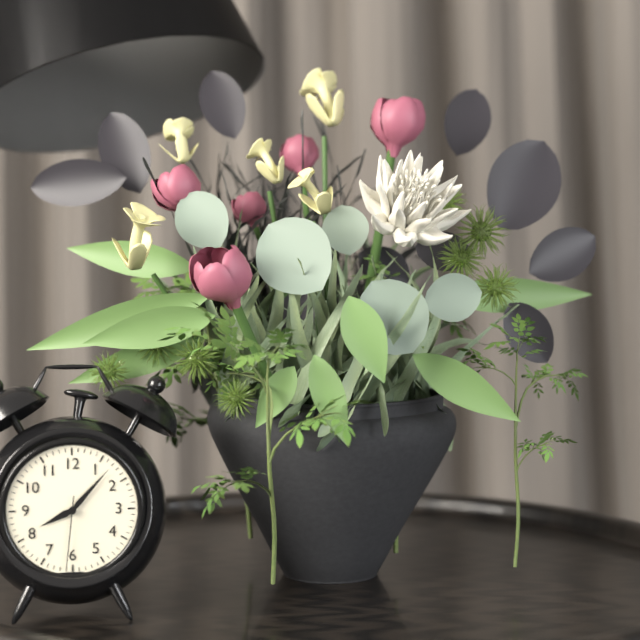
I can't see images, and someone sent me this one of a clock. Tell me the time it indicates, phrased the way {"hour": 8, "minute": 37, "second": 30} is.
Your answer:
{"hour": 8, "minute": 7, "second": 31}
